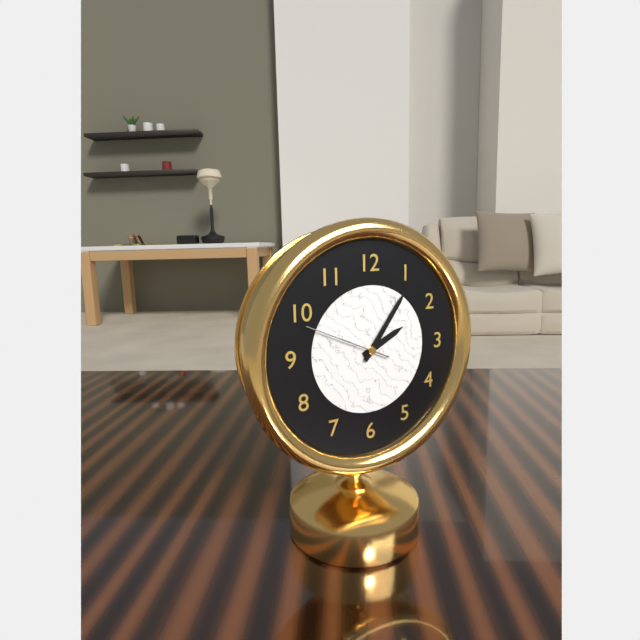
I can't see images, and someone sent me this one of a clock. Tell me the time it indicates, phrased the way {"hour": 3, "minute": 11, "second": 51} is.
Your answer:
{"hour": 2, "minute": 6, "second": 49}
